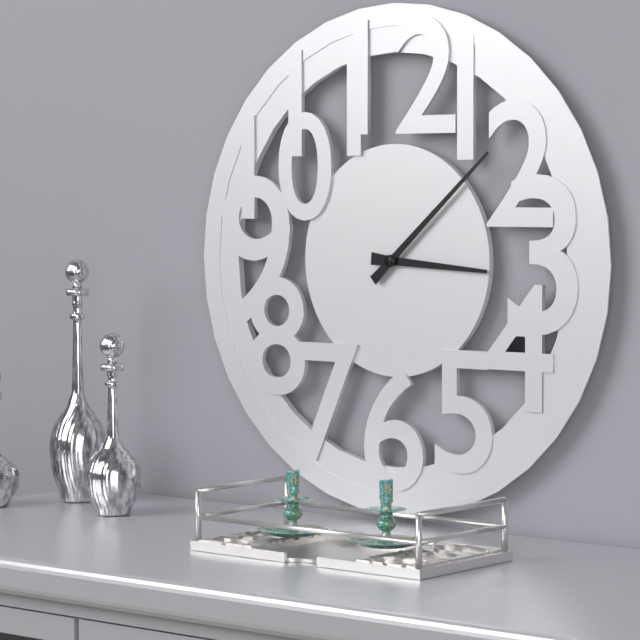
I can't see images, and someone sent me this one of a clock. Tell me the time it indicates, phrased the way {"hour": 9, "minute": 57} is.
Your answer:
{"hour": 3, "minute": 8}
